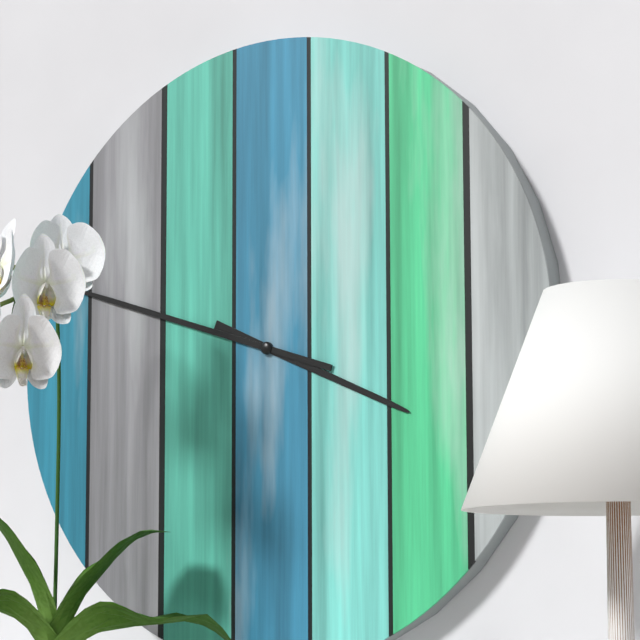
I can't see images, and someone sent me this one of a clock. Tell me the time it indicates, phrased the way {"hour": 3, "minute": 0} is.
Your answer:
{"hour": 3, "minute": 48}
